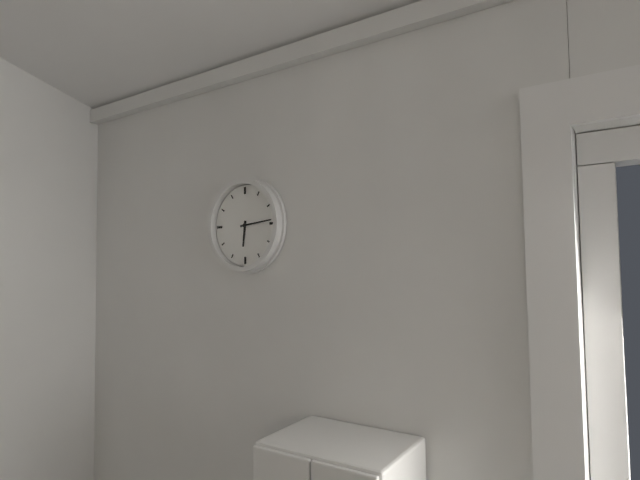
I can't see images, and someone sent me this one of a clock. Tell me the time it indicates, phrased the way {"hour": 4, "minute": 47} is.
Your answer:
{"hour": 6, "minute": 14}
